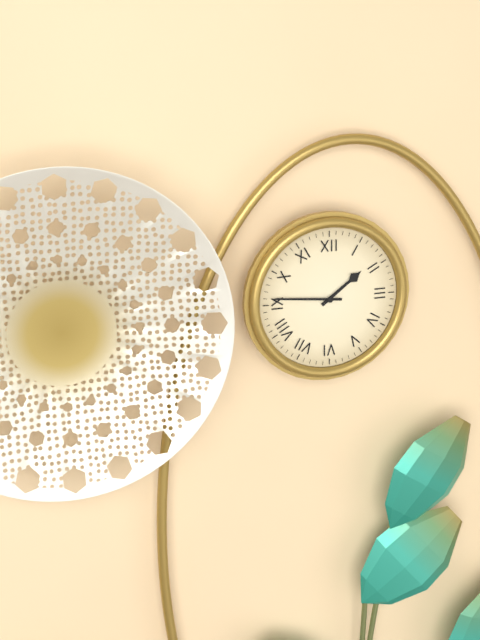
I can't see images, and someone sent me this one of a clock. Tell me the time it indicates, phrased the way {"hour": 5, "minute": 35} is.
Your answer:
{"hour": 1, "minute": 46}
